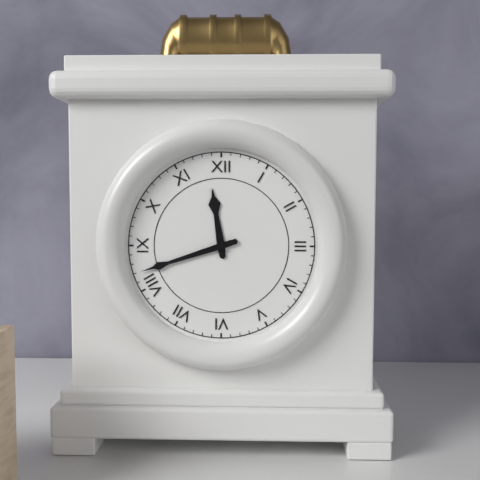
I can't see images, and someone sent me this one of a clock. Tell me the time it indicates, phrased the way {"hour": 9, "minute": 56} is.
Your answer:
{"hour": 11, "minute": 42}
